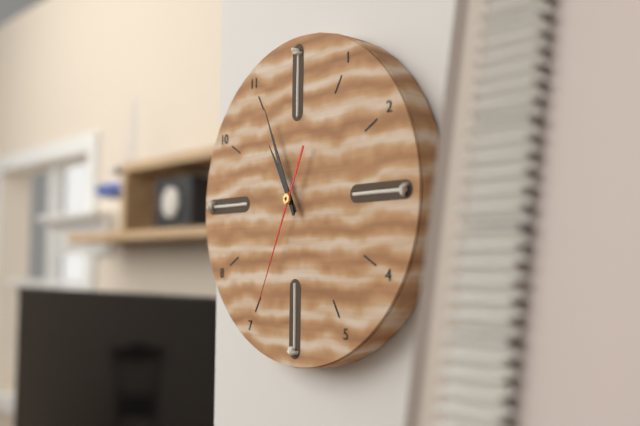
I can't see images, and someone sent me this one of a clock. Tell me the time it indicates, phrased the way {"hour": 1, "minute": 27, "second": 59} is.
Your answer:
{"hour": 10, "minute": 56, "second": 34}
